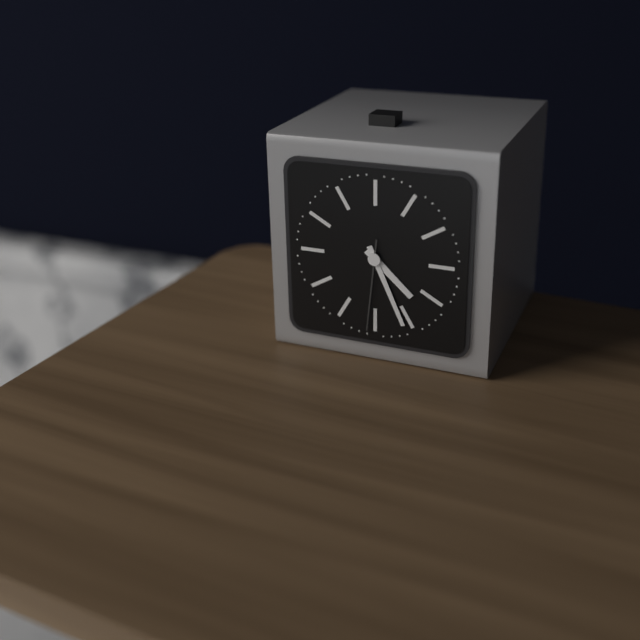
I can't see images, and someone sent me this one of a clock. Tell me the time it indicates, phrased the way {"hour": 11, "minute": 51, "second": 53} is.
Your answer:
{"hour": 4, "minute": 26, "second": 31}
